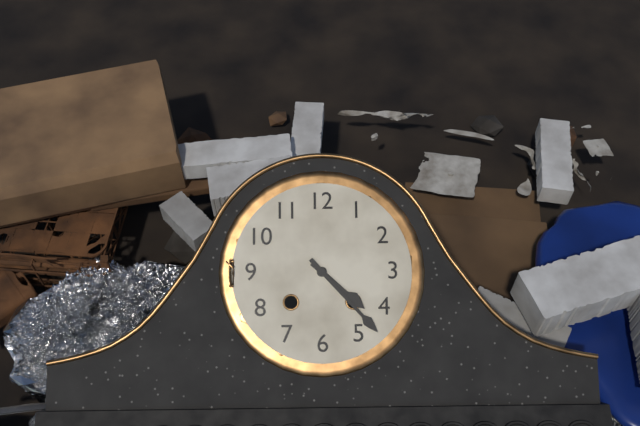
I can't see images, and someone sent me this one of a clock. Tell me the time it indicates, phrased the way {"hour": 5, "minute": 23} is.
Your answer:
{"hour": 4, "minute": 23}
